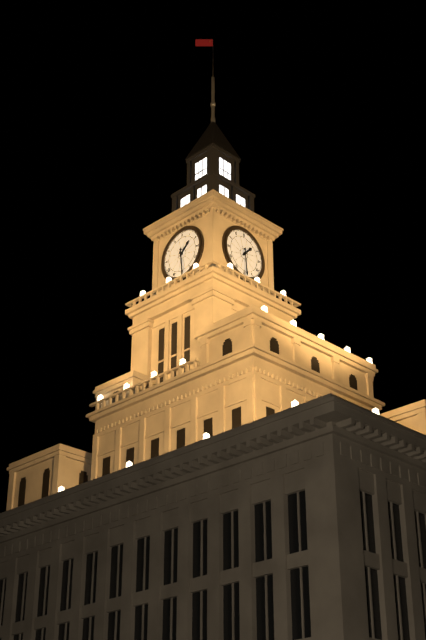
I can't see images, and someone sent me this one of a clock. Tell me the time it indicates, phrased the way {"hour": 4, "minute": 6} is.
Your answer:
{"hour": 1, "minute": 29}
